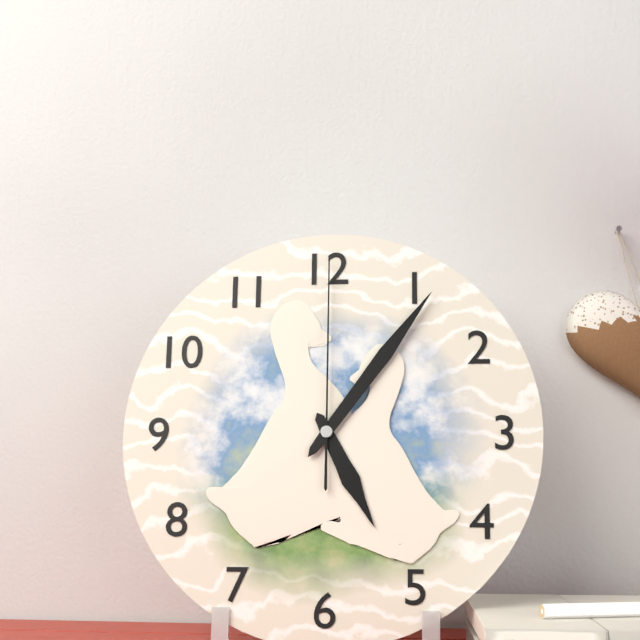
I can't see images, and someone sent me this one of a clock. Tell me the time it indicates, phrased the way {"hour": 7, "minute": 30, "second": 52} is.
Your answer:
{"hour": 5, "minute": 6, "second": 0}
